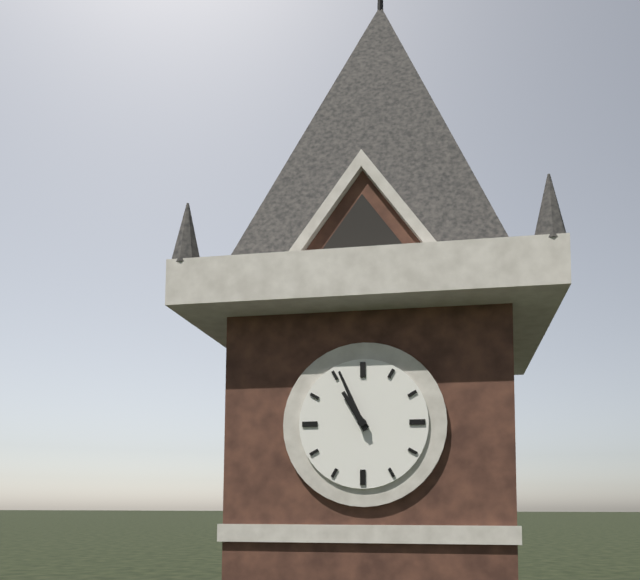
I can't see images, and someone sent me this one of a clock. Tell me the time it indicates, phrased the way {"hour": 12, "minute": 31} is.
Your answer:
{"hour": 10, "minute": 56}
